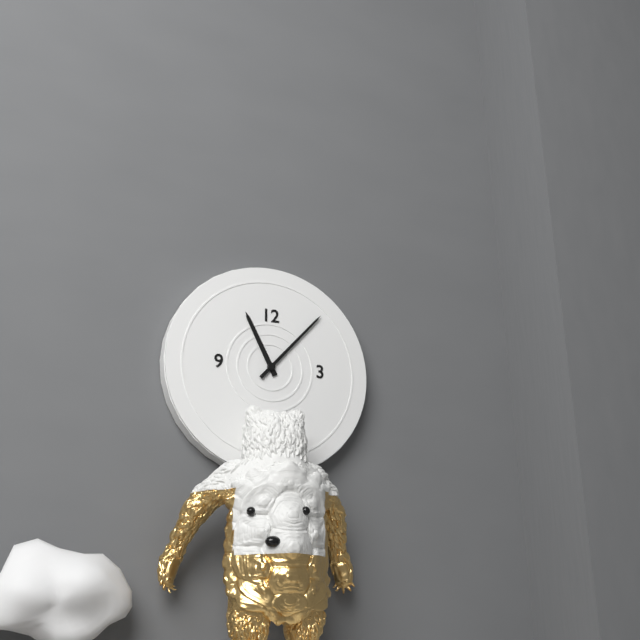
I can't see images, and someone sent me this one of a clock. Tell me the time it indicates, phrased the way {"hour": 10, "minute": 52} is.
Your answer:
{"hour": 11, "minute": 7}
